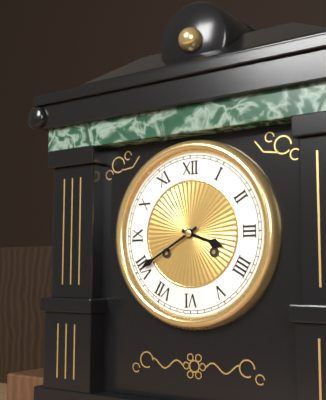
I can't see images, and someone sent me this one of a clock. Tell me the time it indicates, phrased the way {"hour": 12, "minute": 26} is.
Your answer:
{"hour": 3, "minute": 40}
